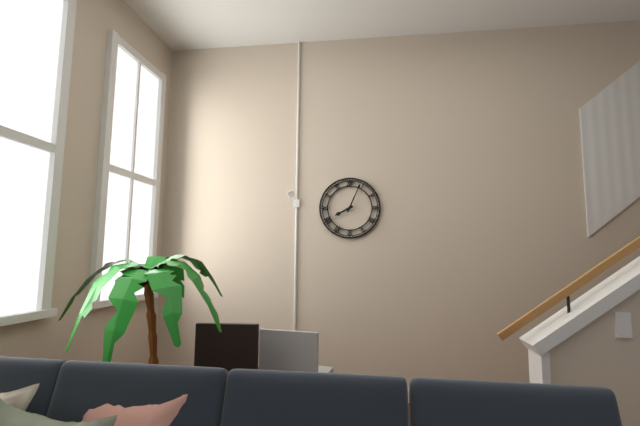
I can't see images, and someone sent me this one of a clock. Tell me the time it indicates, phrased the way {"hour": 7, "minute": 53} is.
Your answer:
{"hour": 8, "minute": 4}
